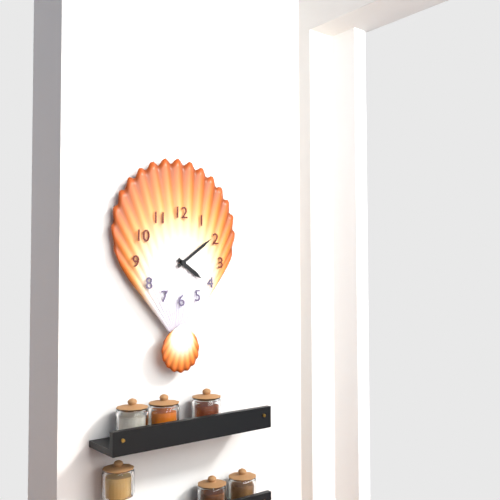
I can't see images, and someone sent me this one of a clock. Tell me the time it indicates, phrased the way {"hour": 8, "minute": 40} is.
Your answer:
{"hour": 4, "minute": 9}
